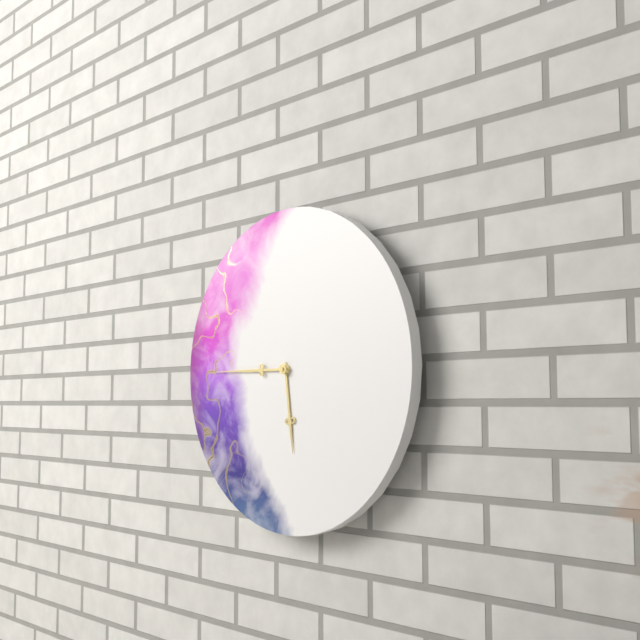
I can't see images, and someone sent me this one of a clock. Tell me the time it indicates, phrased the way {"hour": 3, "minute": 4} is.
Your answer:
{"hour": 5, "minute": 45}
